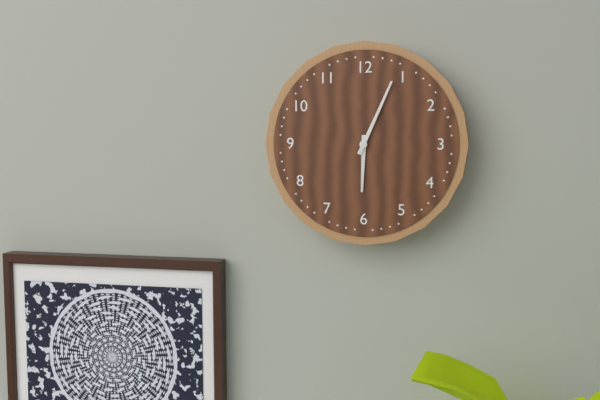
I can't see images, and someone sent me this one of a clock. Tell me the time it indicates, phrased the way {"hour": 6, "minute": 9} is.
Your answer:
{"hour": 6, "minute": 4}
